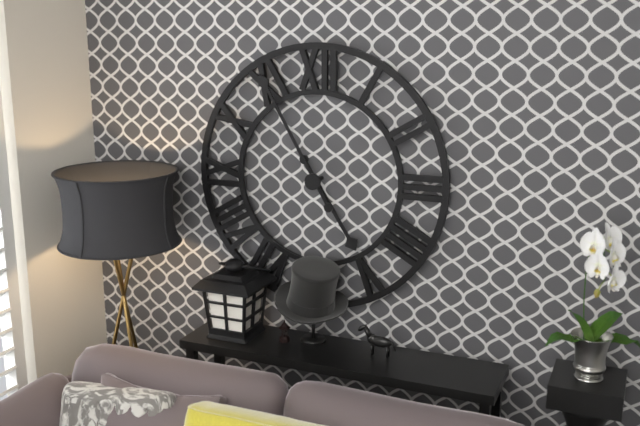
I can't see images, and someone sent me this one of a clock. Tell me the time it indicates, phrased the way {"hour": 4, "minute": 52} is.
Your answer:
{"hour": 4, "minute": 55}
